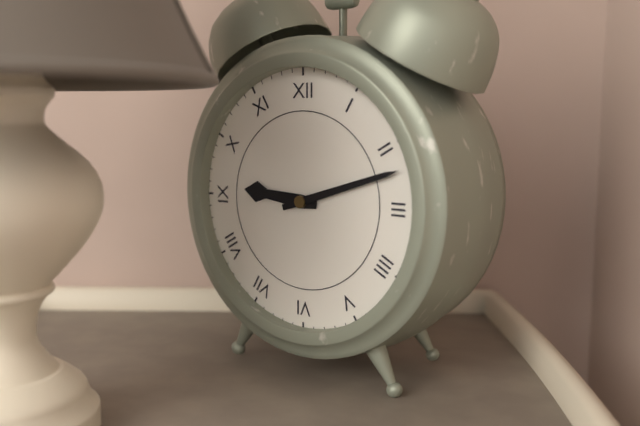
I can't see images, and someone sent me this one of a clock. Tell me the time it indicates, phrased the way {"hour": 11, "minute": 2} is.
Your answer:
{"hour": 9, "minute": 12}
